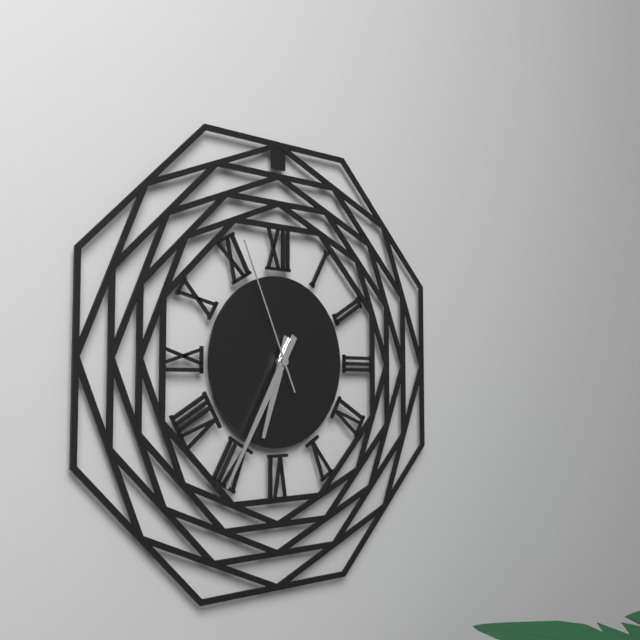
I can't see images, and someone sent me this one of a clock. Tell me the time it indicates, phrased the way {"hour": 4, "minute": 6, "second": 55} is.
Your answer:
{"hour": 6, "minute": 35, "second": 56}
